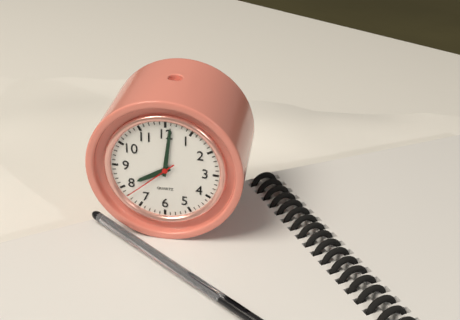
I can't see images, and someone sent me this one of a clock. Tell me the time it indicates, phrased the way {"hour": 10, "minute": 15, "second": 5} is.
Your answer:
{"hour": 8, "minute": 1, "second": 38}
